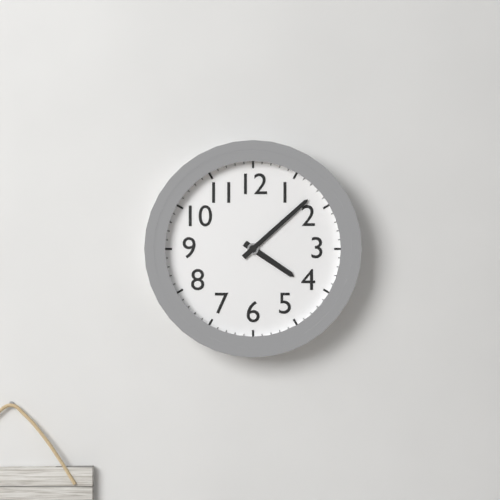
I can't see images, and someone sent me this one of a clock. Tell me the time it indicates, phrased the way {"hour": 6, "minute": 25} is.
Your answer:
{"hour": 4, "minute": 8}
